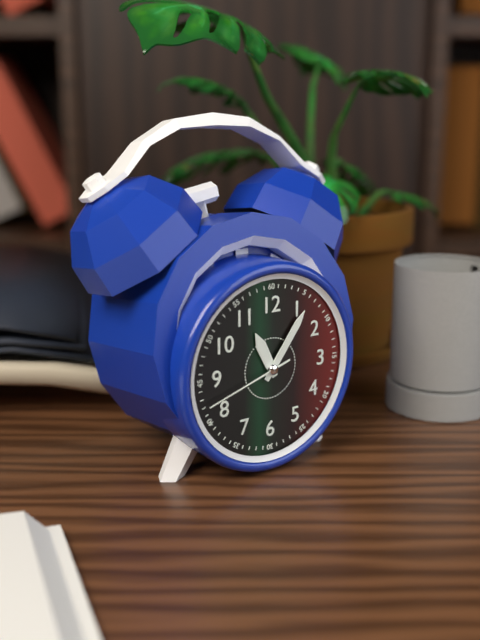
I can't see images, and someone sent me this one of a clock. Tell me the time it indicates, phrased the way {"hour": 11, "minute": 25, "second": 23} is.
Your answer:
{"hour": 11, "minute": 6, "second": 42}
